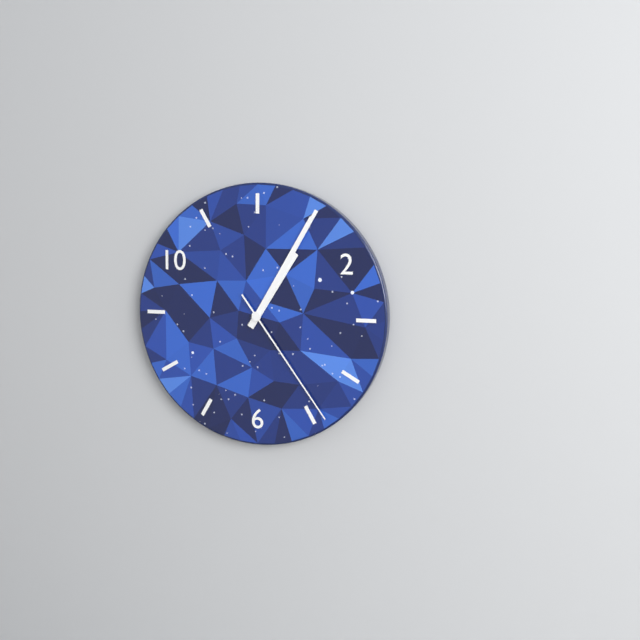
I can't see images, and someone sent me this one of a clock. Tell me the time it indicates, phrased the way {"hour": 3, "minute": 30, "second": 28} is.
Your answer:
{"hour": 1, "minute": 5, "second": 24}
